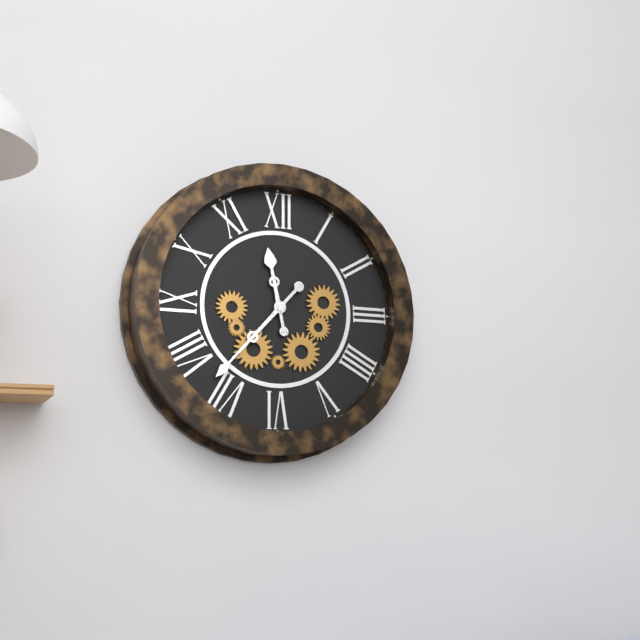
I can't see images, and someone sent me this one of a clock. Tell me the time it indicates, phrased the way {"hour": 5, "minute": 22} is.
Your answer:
{"hour": 11, "minute": 37}
